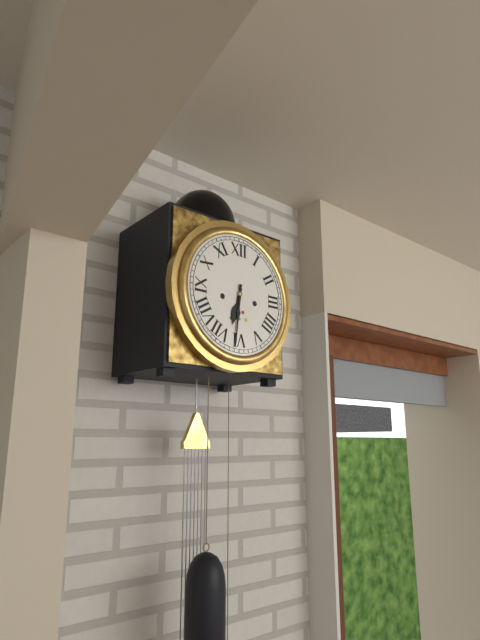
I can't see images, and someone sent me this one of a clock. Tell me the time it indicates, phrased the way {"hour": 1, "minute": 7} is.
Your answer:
{"hour": 6, "minute": 31}
